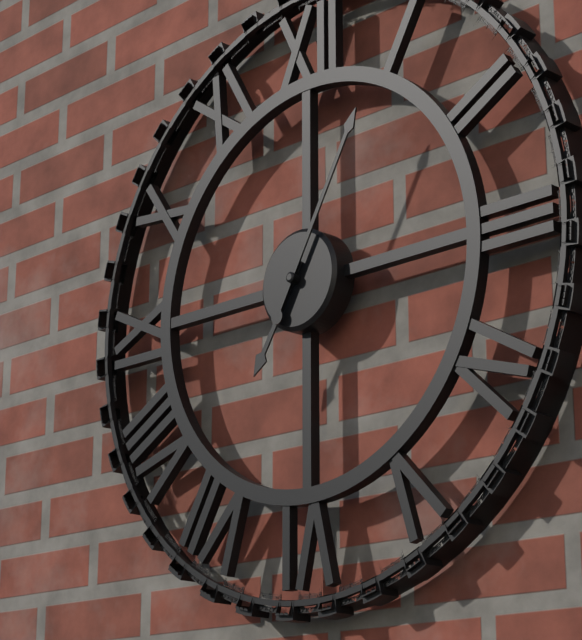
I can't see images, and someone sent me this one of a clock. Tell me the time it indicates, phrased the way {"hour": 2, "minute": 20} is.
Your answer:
{"hour": 7, "minute": 5}
